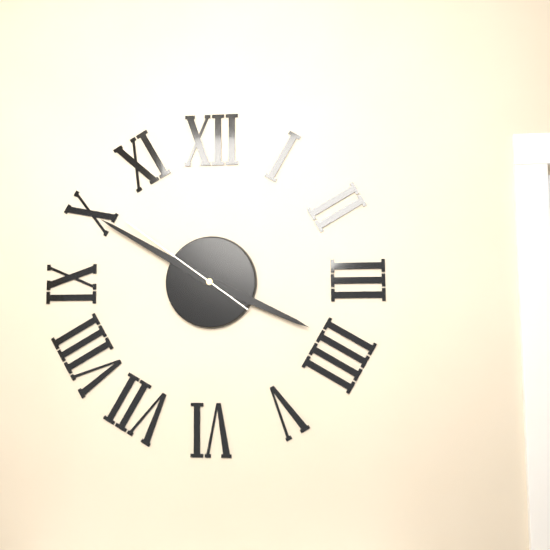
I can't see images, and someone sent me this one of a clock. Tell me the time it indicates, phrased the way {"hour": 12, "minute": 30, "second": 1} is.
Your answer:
{"hour": 3, "minute": 50, "second": 51}
